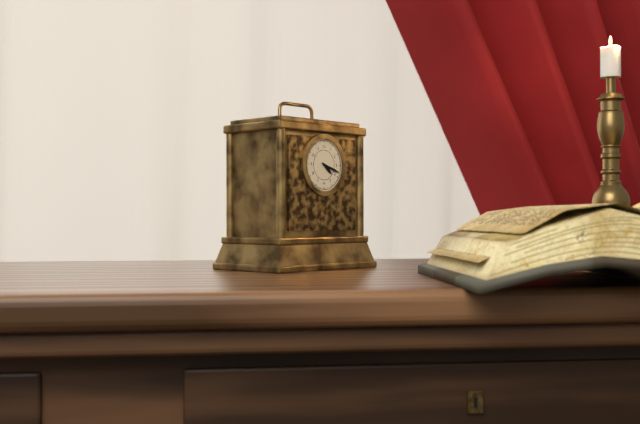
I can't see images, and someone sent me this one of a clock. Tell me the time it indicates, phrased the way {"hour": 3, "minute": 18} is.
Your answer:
{"hour": 4, "minute": 18}
